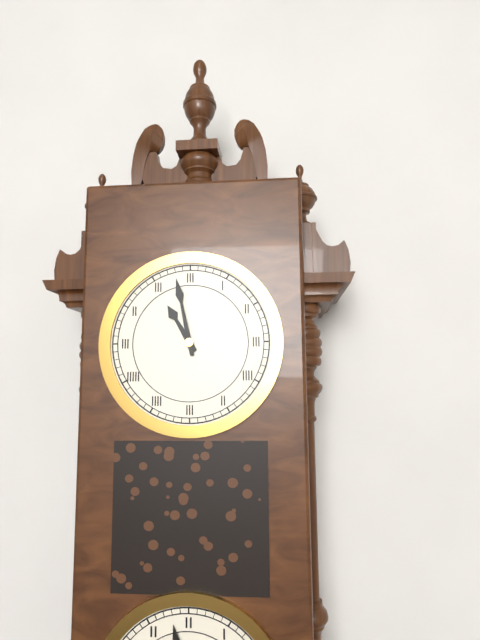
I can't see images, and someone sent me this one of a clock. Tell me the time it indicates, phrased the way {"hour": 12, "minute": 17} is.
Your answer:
{"hour": 10, "minute": 58}
